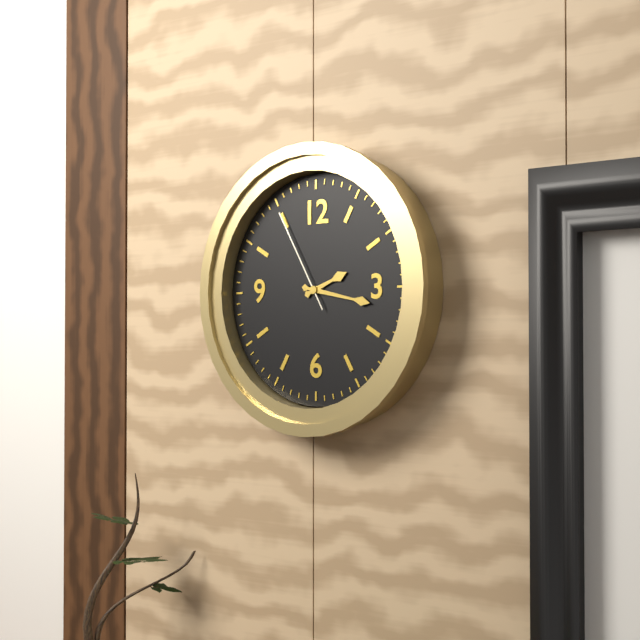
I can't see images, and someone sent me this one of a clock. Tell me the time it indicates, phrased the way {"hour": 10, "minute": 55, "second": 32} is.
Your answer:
{"hour": 2, "minute": 17, "second": 55}
